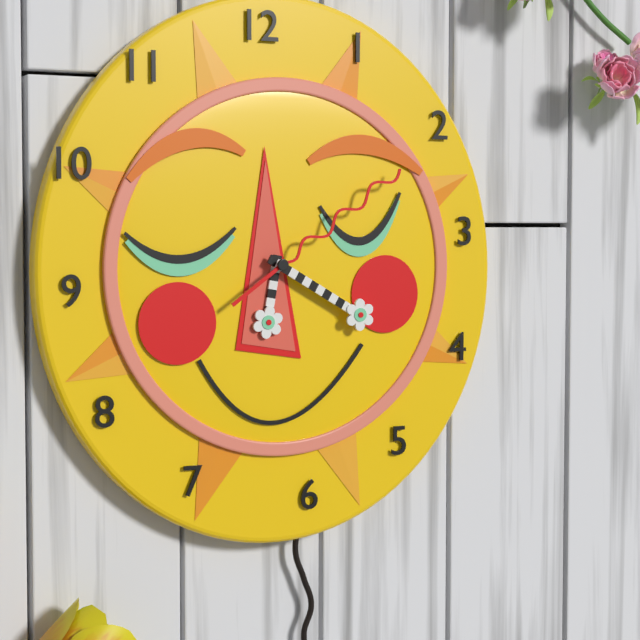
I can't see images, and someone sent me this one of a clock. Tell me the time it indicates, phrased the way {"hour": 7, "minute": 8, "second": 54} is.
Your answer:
{"hour": 6, "minute": 20, "second": 9}
